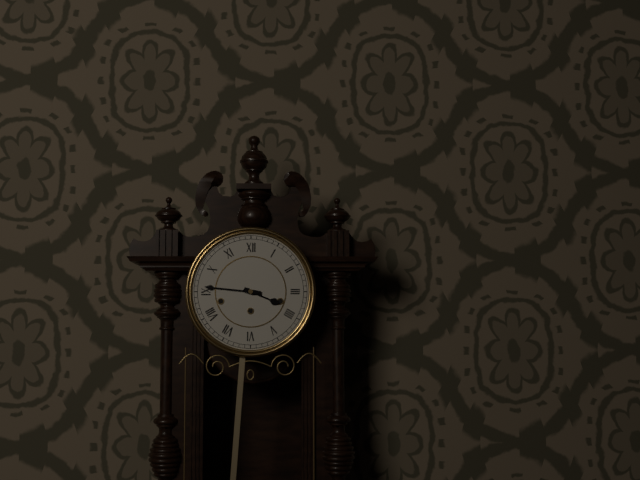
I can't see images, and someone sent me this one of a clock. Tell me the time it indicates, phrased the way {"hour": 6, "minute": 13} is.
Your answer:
{"hour": 3, "minute": 46}
